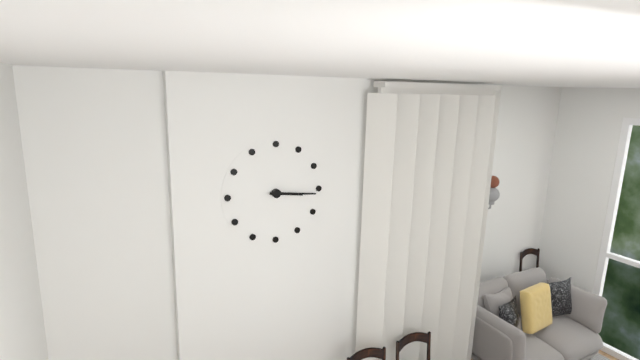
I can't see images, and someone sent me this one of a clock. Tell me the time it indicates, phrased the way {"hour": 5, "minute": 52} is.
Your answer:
{"hour": 3, "minute": 16}
